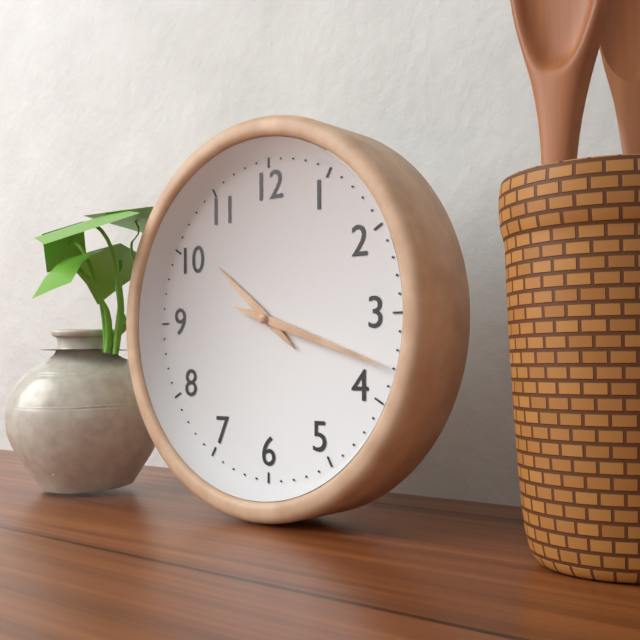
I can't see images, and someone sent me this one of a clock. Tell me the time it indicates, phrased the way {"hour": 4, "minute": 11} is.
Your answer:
{"hour": 10, "minute": 18}
